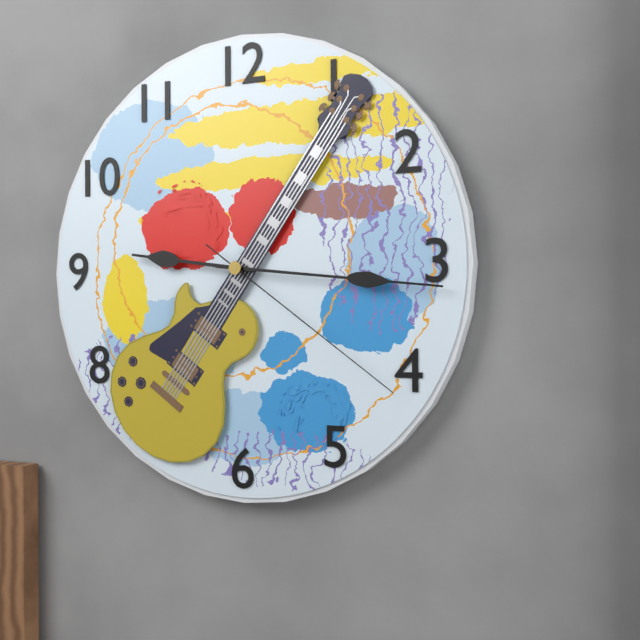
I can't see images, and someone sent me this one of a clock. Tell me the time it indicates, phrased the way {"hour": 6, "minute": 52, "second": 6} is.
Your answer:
{"hour": 9, "minute": 16, "second": 21}
